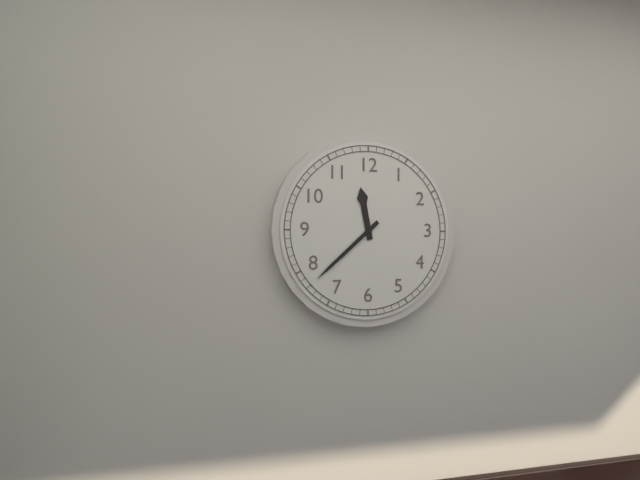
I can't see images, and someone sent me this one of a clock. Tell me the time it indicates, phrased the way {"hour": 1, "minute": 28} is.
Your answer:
{"hour": 11, "minute": 38}
